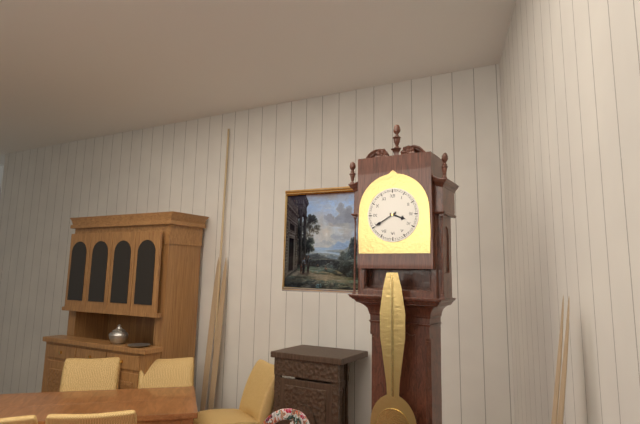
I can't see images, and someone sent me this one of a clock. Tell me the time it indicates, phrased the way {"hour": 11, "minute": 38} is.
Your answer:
{"hour": 3, "minute": 40}
